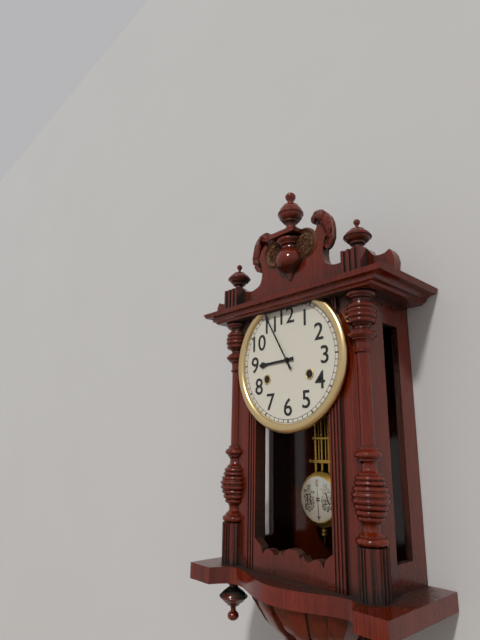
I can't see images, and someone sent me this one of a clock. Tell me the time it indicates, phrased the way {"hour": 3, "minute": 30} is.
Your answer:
{"hour": 8, "minute": 55}
